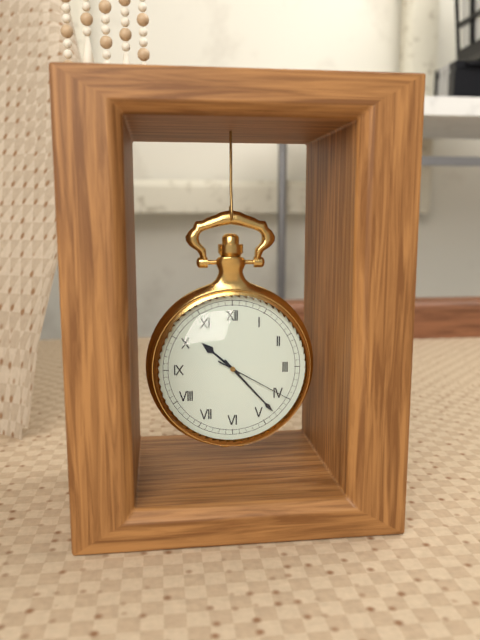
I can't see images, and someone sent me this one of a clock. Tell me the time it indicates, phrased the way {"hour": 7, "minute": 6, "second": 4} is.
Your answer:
{"hour": 10, "minute": 23, "second": 20}
